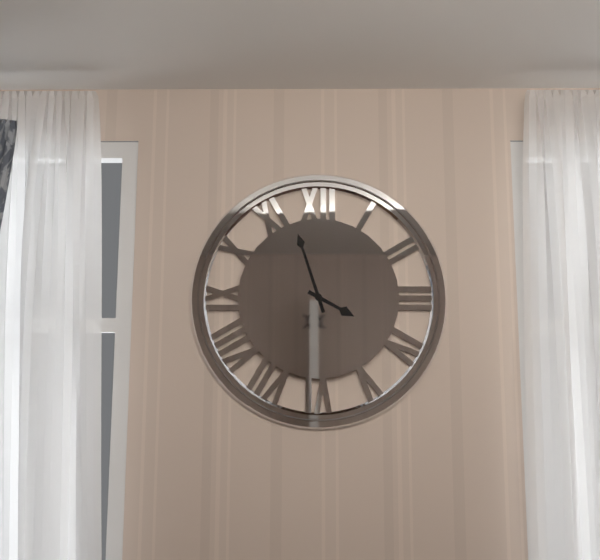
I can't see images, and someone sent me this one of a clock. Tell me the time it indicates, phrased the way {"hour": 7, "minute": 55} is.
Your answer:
{"hour": 3, "minute": 57}
